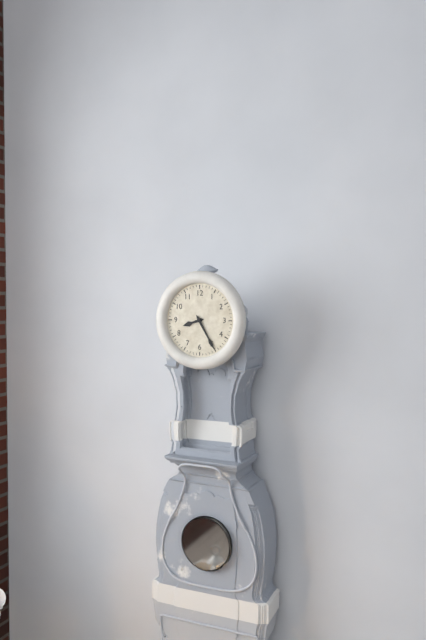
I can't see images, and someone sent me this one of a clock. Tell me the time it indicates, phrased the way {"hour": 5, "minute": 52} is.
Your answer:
{"hour": 8, "minute": 25}
